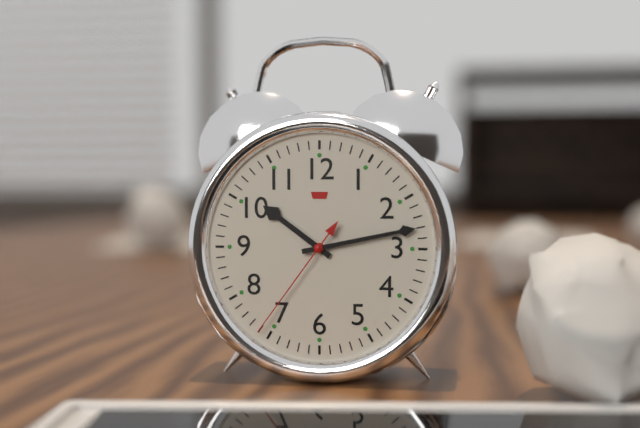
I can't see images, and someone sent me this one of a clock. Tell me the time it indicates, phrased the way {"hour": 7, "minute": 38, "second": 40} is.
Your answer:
{"hour": 10, "minute": 13, "second": 36}
